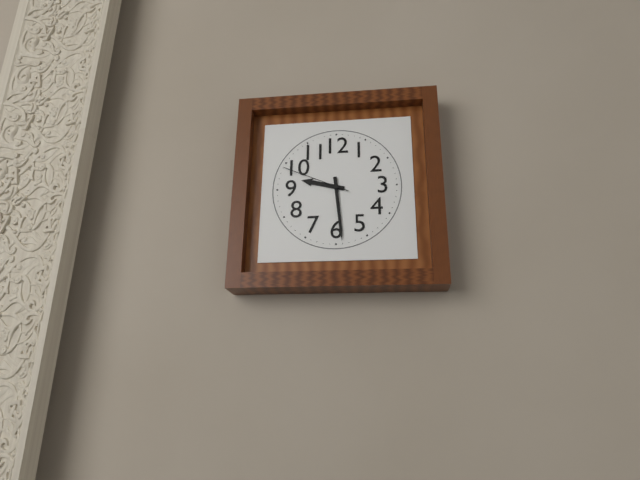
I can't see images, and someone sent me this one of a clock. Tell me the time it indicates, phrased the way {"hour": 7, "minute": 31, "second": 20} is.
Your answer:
{"hour": 9, "minute": 29, "second": 49}
